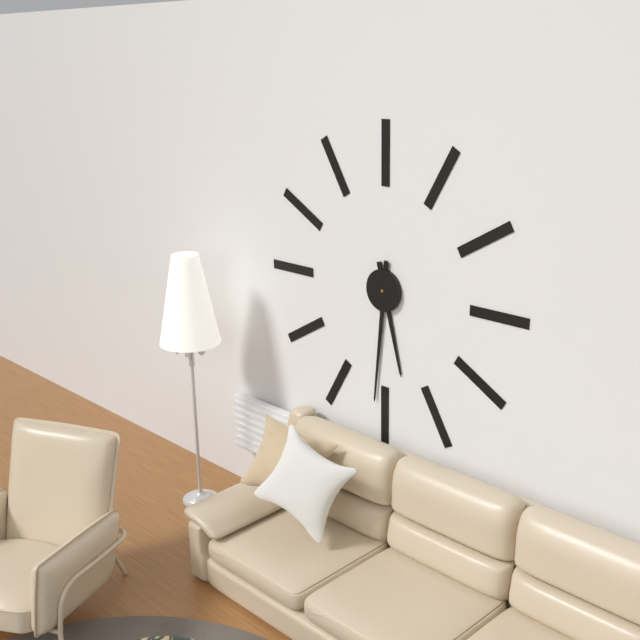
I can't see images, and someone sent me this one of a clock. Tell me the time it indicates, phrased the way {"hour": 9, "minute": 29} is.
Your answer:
{"hour": 5, "minute": 31}
